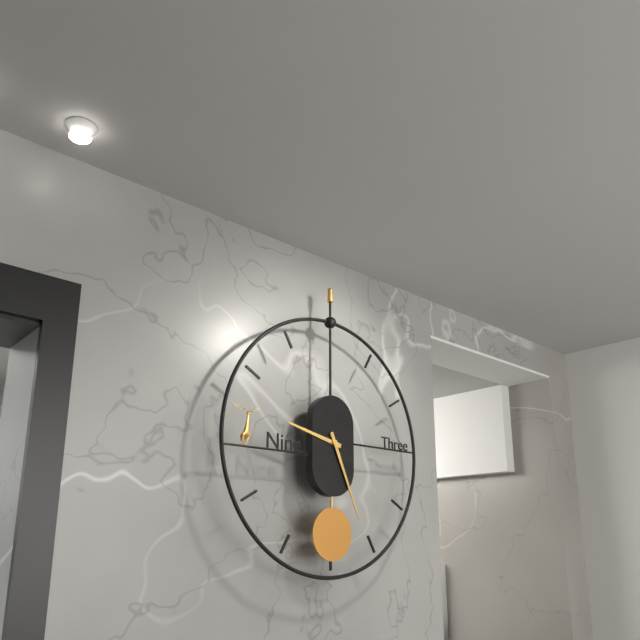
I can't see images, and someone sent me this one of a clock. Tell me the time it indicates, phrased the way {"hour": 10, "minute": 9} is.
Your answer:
{"hour": 9, "minute": 26}
